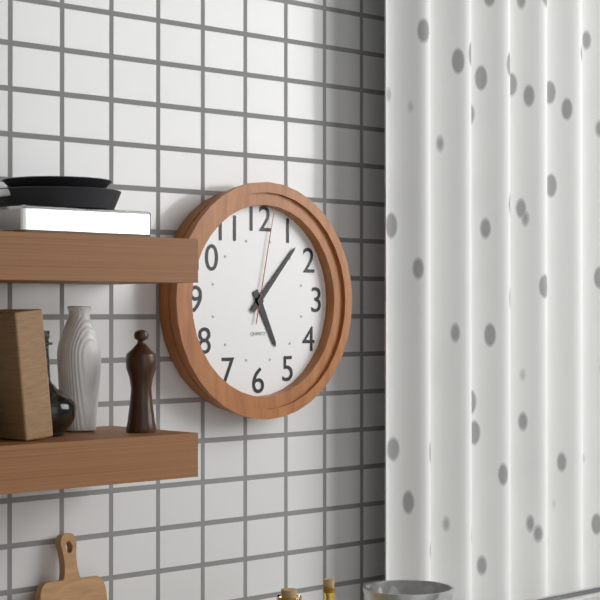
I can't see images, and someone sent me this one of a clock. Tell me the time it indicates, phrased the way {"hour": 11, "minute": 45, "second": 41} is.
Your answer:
{"hour": 5, "minute": 7, "second": 2}
